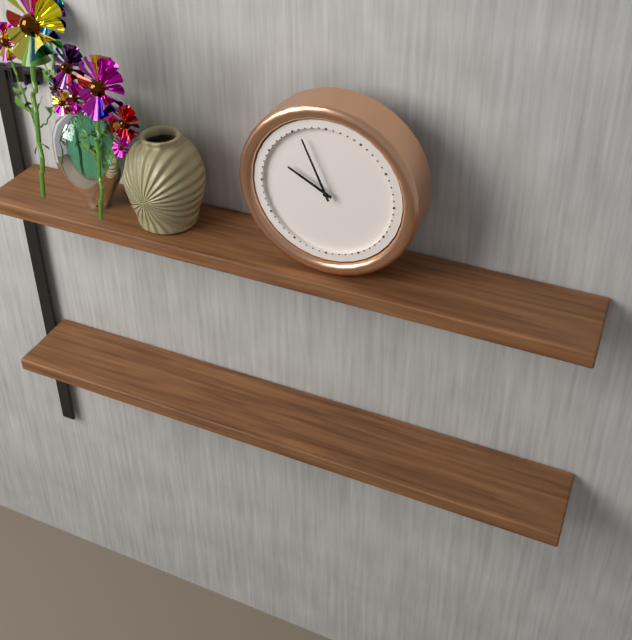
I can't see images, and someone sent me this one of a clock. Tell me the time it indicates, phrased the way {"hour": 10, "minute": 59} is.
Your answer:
{"hour": 9, "minute": 56}
